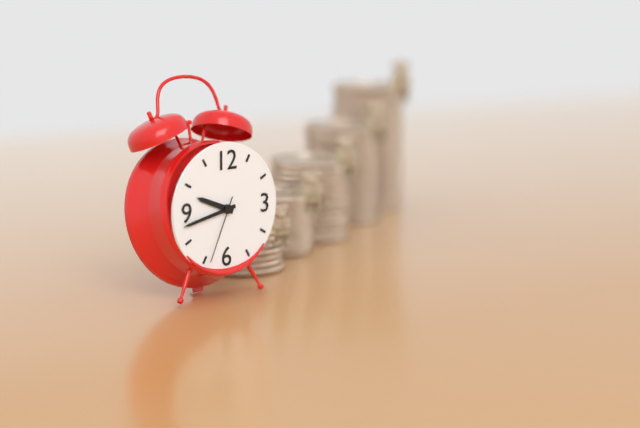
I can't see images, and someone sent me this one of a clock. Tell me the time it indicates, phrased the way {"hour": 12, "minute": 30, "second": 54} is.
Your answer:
{"hour": 9, "minute": 43, "second": 34}
